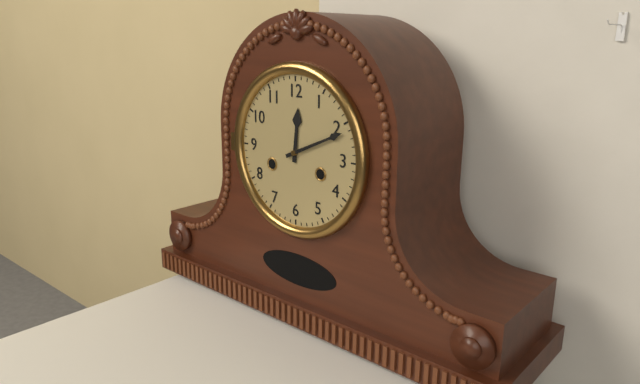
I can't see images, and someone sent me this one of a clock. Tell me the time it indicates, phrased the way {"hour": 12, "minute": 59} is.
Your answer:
{"hour": 12, "minute": 11}
